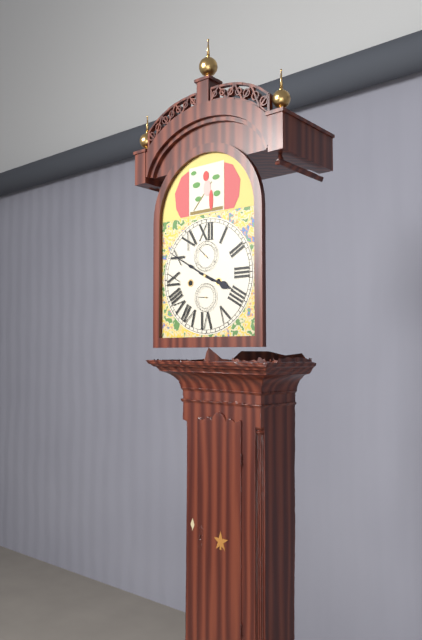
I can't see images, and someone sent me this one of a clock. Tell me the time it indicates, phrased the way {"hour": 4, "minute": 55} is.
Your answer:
{"hour": 3, "minute": 50}
